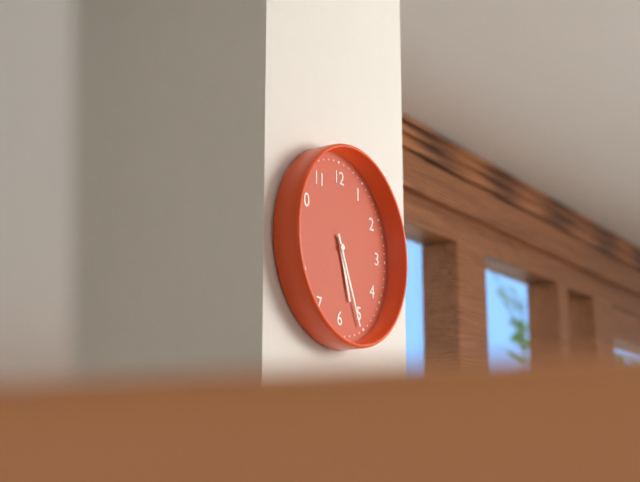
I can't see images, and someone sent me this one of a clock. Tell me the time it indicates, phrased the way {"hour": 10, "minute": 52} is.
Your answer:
{"hour": 5, "minute": 26}
